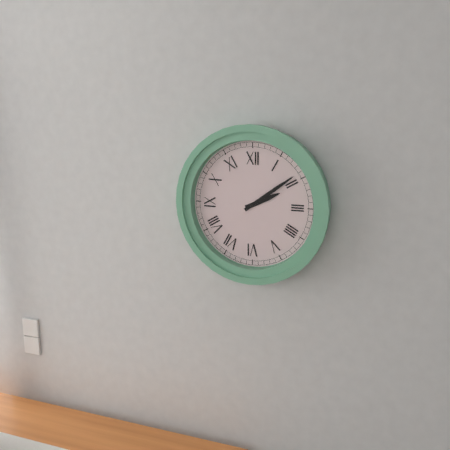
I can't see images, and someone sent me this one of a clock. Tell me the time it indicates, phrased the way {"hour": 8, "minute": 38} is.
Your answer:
{"hour": 2, "minute": 9}
